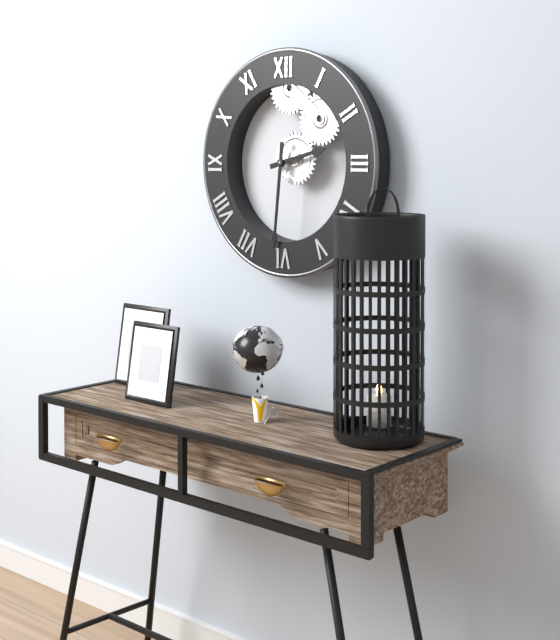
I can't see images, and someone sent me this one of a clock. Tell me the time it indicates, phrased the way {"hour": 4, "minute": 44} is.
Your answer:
{"hour": 2, "minute": 31}
